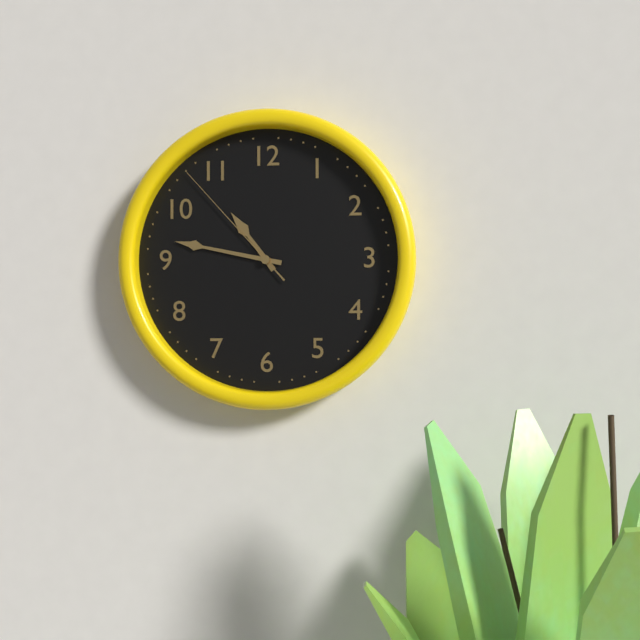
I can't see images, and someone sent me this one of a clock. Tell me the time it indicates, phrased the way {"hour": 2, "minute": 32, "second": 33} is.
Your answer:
{"hour": 10, "minute": 47, "second": 53}
